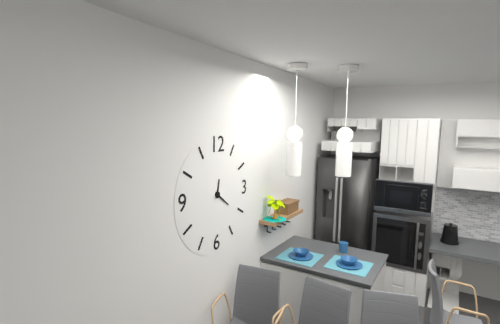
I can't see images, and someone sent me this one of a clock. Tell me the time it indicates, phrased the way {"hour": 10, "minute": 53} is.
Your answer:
{"hour": 12, "minute": 21}
